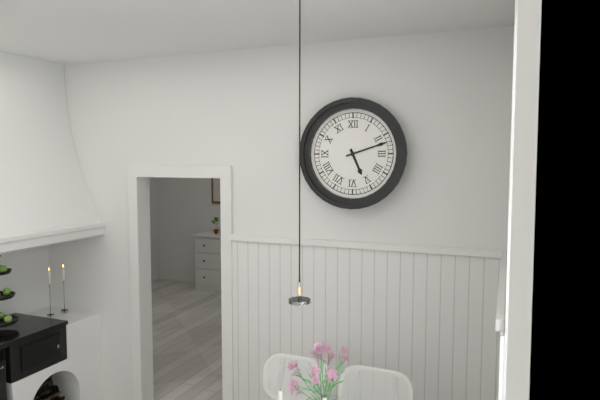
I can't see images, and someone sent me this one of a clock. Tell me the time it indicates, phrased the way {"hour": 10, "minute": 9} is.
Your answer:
{"hour": 5, "minute": 12}
